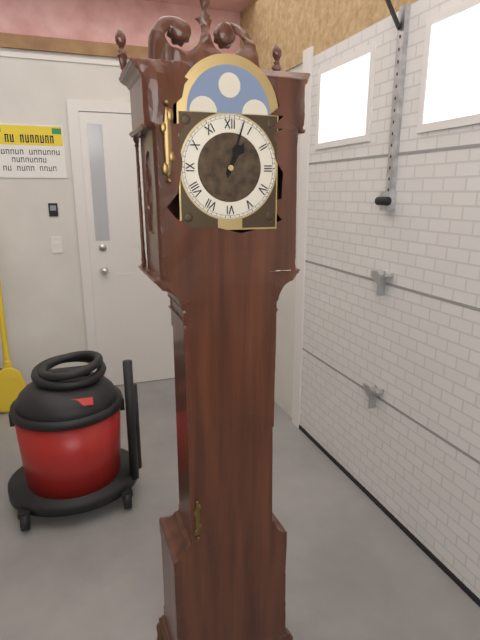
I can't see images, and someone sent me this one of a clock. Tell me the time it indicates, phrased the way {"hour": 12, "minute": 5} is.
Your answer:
{"hour": 1, "minute": 3}
